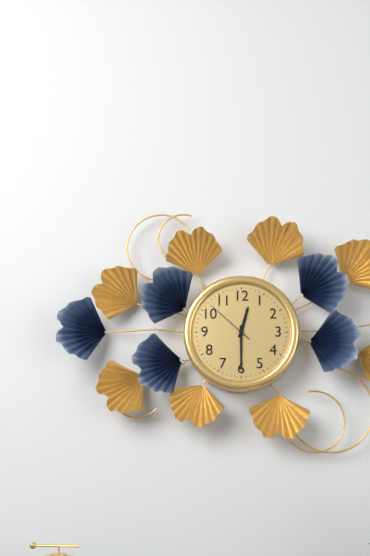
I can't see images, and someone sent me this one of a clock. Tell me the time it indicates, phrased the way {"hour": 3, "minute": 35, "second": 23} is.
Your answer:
{"hour": 12, "minute": 30, "second": 52}
